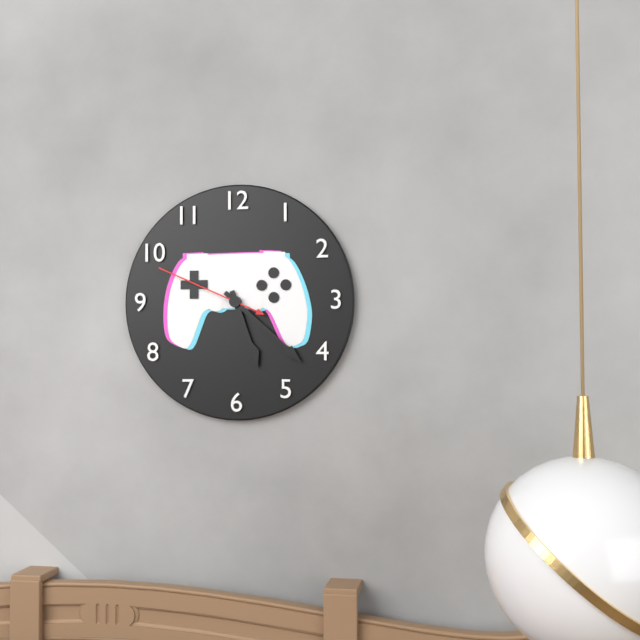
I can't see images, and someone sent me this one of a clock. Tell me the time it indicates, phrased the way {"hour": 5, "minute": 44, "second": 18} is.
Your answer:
{"hour": 5, "minute": 22, "second": 49}
